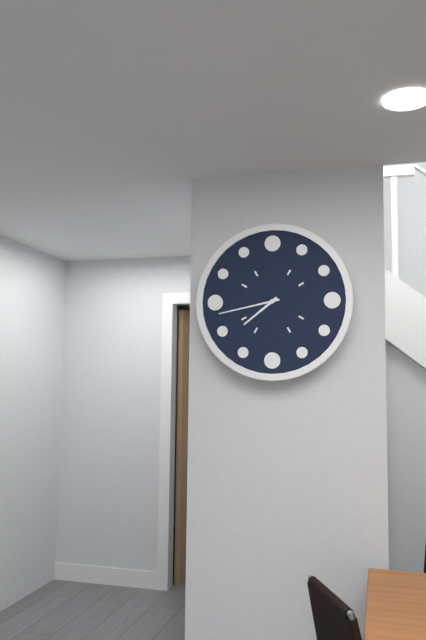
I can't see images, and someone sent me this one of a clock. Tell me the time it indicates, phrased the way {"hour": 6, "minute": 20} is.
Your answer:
{"hour": 7, "minute": 43}
